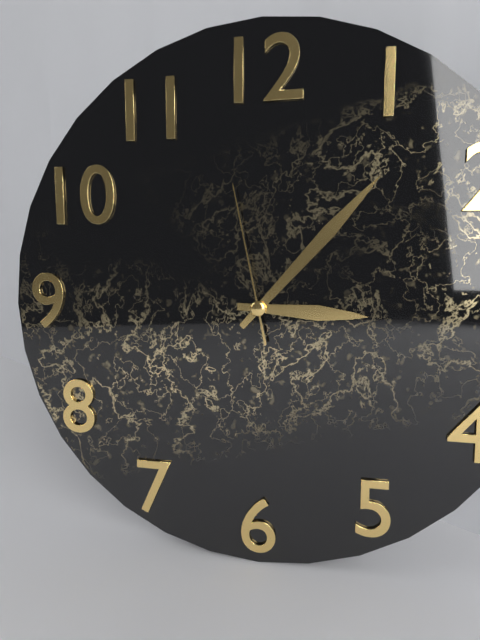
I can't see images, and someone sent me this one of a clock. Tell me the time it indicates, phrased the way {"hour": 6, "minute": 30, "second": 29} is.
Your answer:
{"hour": 3, "minute": 7, "second": 58}
